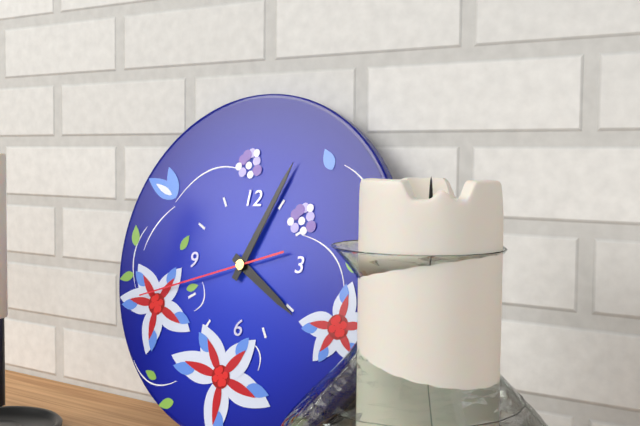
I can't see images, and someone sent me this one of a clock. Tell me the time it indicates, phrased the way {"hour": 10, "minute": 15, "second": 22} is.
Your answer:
{"hour": 4, "minute": 4, "second": 42}
